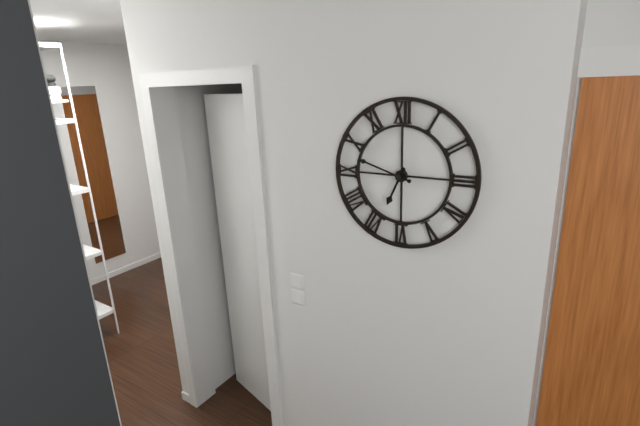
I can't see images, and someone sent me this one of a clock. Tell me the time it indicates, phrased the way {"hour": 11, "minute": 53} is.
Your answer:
{"hour": 6, "minute": 48}
